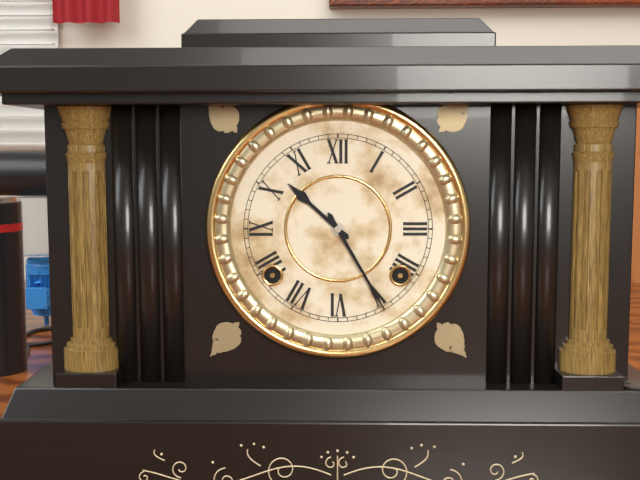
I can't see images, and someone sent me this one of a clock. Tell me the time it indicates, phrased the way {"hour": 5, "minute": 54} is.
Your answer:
{"hour": 10, "minute": 25}
